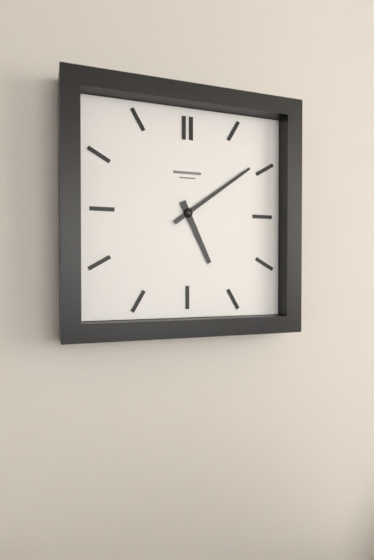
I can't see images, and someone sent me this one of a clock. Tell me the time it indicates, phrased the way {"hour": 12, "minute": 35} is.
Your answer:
{"hour": 5, "minute": 9}
